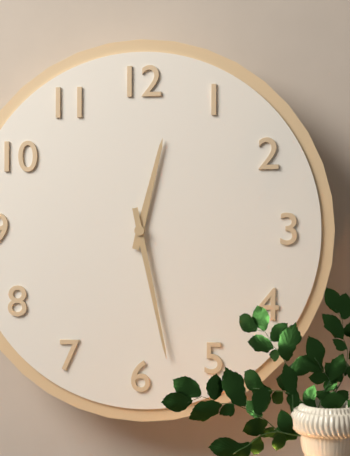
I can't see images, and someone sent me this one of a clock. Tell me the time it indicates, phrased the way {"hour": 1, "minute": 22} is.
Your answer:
{"hour": 12, "minute": 28}
